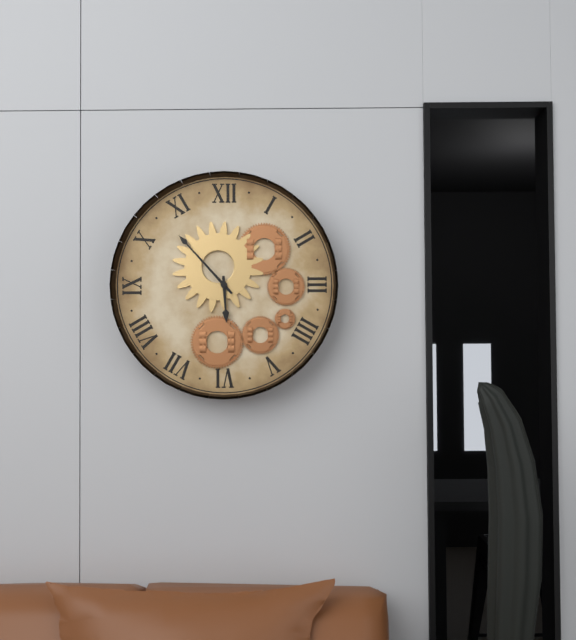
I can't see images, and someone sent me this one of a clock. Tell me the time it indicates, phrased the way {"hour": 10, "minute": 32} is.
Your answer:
{"hour": 5, "minute": 53}
